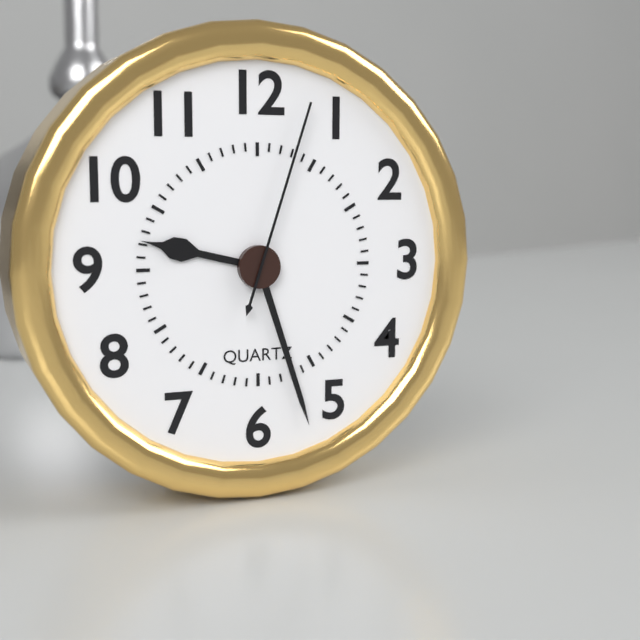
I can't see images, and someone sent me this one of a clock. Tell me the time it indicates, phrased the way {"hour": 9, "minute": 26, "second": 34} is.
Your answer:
{"hour": 9, "minute": 27, "second": 3}
